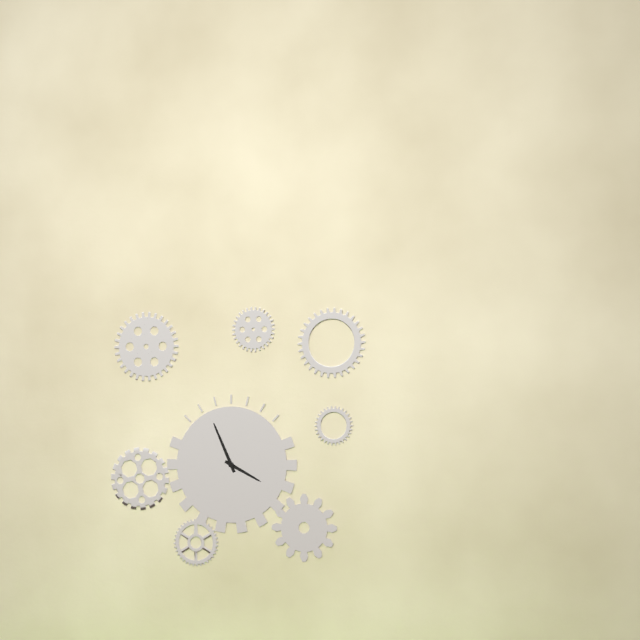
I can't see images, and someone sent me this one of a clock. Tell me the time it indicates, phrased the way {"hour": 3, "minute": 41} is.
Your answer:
{"hour": 3, "minute": 56}
